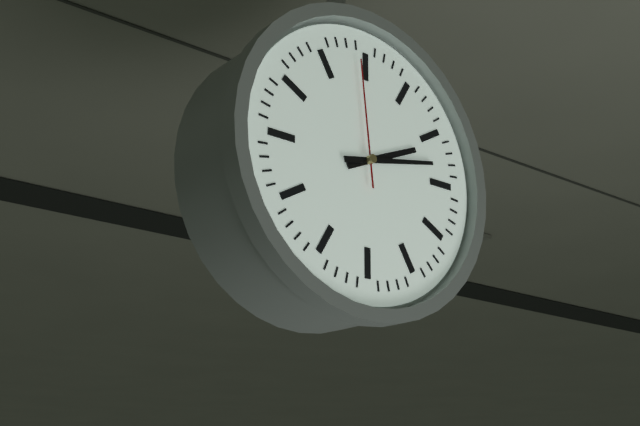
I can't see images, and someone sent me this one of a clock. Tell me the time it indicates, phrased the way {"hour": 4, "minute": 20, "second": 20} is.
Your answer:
{"hour": 2, "minute": 13, "second": 59}
